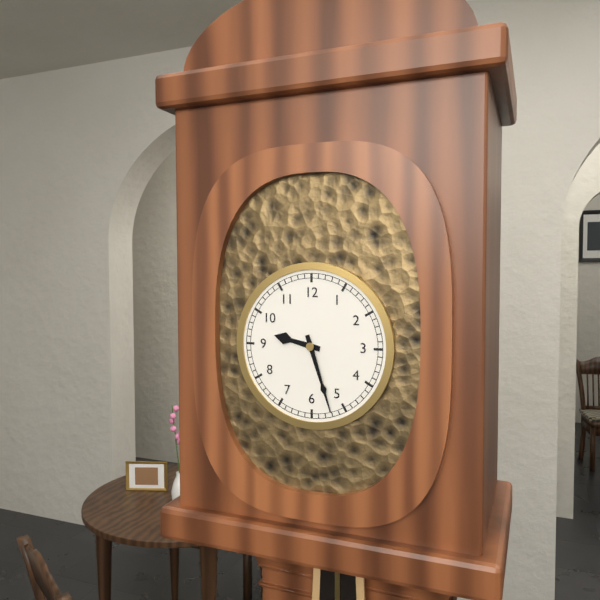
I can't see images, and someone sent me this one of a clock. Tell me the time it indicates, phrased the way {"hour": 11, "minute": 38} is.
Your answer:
{"hour": 9, "minute": 27}
